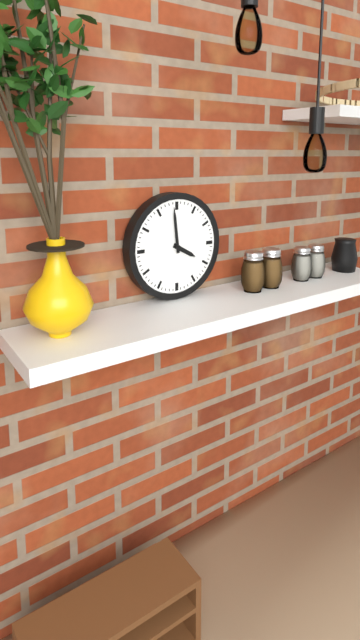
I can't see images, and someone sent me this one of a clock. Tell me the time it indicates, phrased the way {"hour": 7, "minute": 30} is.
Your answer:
{"hour": 3, "minute": 59}
